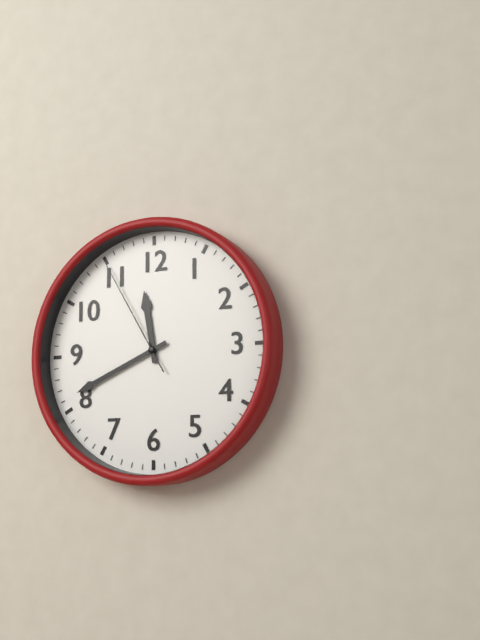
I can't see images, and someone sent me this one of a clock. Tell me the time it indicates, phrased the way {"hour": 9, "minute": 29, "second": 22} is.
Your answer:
{"hour": 11, "minute": 41, "second": 55}
